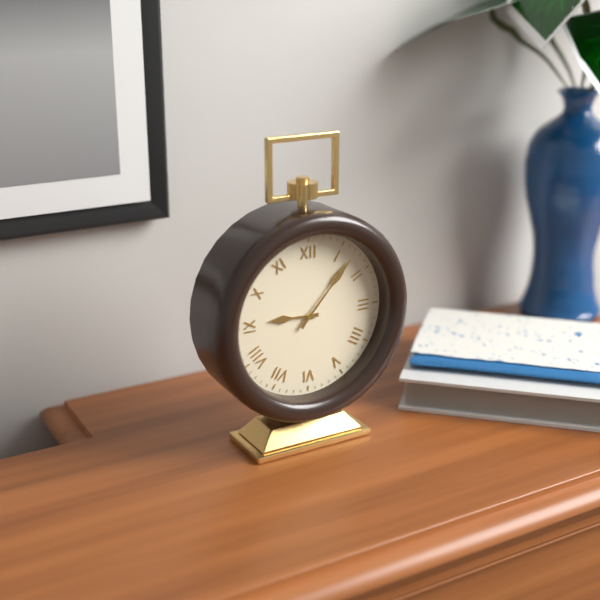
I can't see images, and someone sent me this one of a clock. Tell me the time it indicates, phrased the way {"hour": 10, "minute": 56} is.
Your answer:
{"hour": 9, "minute": 7}
